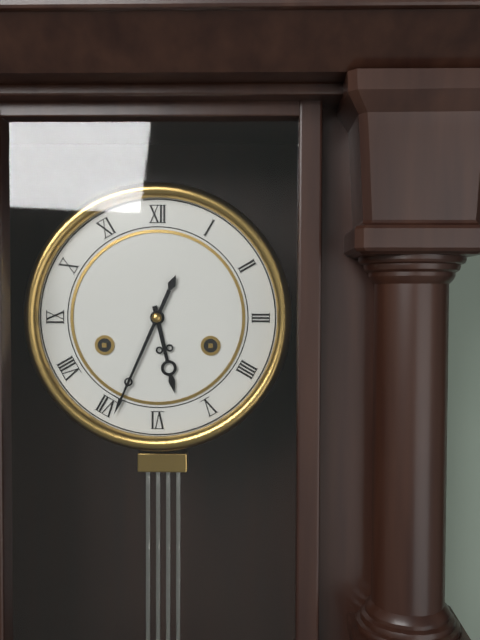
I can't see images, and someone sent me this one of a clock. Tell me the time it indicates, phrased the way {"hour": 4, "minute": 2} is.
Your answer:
{"hour": 5, "minute": 34}
